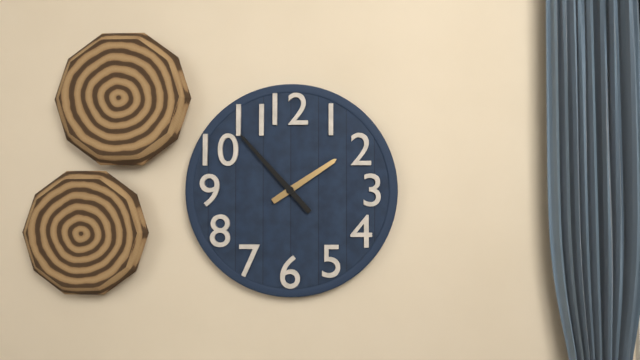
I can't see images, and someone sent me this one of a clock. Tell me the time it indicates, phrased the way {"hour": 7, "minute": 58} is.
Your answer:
{"hour": 1, "minute": 53}
